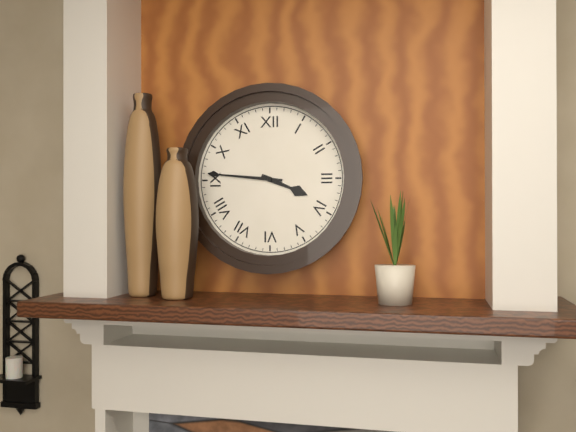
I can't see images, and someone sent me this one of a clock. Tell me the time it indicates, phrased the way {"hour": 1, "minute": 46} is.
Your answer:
{"hour": 3, "minute": 46}
